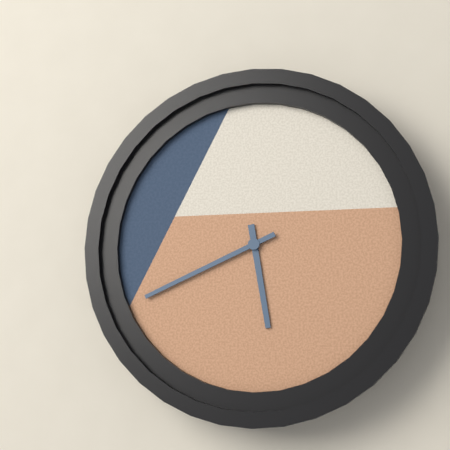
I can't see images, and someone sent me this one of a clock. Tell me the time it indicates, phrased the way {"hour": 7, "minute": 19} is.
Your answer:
{"hour": 5, "minute": 41}
